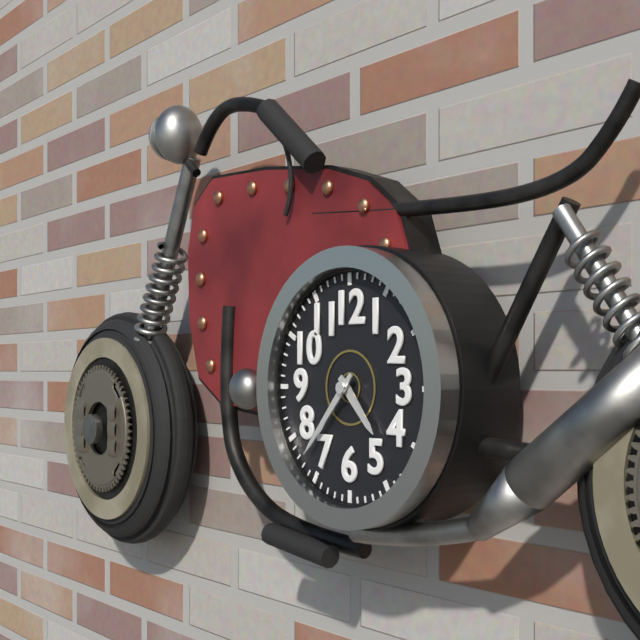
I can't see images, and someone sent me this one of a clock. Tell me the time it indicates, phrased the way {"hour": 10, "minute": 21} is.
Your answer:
{"hour": 4, "minute": 37}
